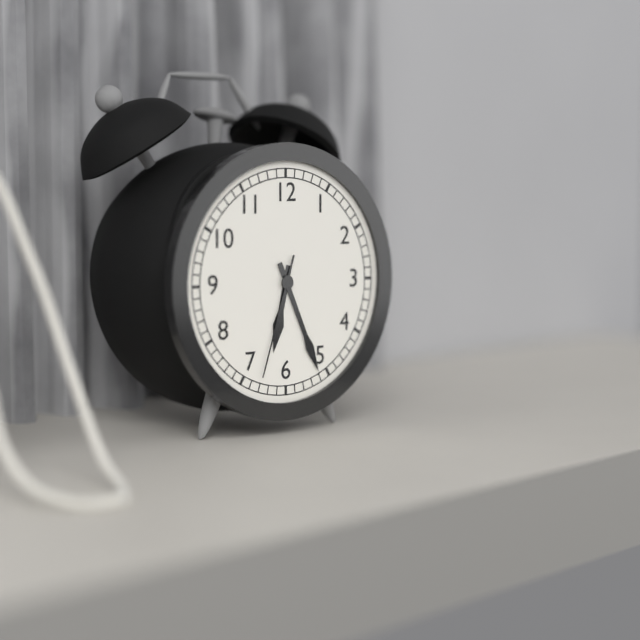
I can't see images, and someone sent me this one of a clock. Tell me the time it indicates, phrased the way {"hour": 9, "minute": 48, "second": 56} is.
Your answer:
{"hour": 6, "minute": 26, "second": 33}
